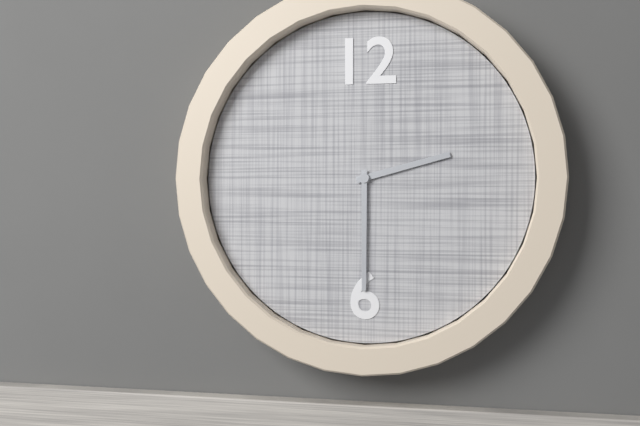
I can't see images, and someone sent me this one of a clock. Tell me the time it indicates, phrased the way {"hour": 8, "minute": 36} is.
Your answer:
{"hour": 2, "minute": 30}
